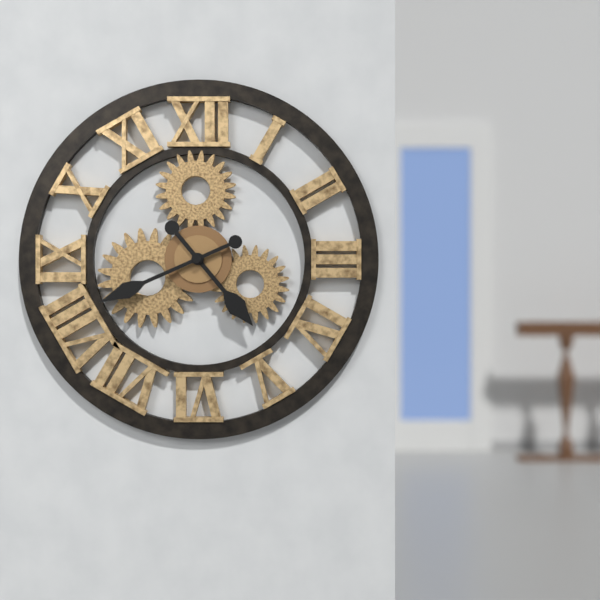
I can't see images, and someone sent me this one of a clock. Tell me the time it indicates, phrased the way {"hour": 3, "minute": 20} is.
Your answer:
{"hour": 4, "minute": 41}
